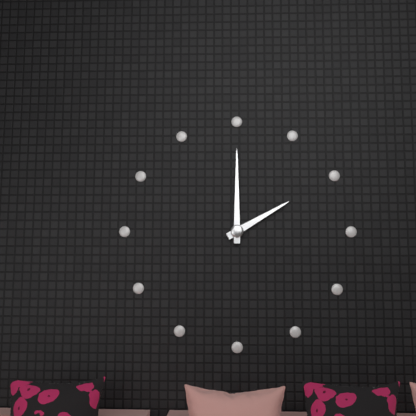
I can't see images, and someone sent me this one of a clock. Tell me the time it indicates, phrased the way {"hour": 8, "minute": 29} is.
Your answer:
{"hour": 2, "minute": 0}
